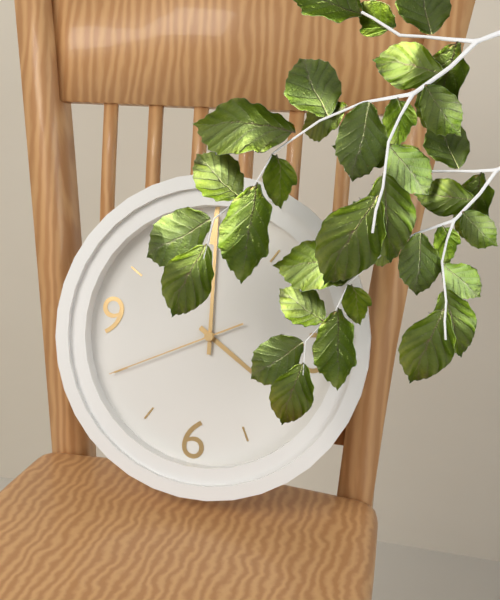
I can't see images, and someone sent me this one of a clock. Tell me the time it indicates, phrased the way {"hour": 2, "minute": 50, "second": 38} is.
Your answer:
{"hour": 3, "minute": 59, "second": 40}
